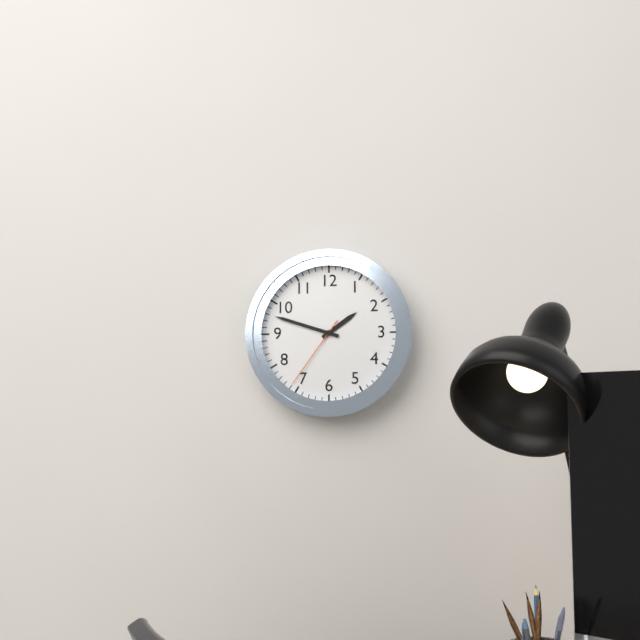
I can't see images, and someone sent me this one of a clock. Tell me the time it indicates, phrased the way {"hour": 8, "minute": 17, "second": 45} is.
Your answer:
{"hour": 1, "minute": 48, "second": 36}
